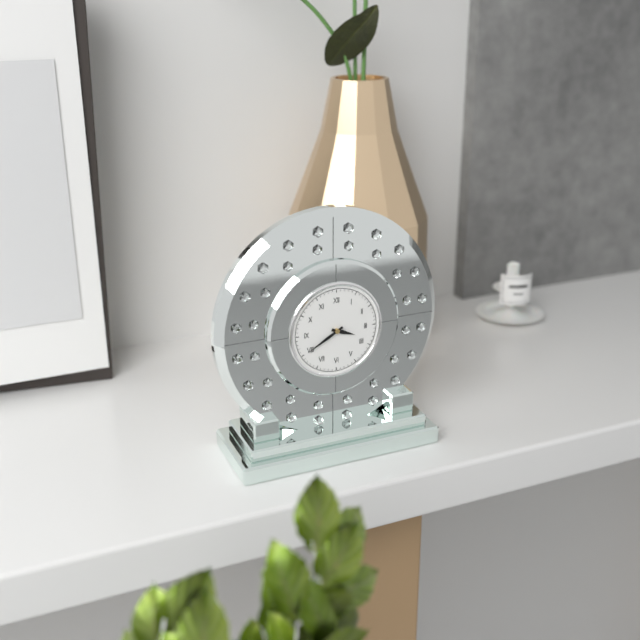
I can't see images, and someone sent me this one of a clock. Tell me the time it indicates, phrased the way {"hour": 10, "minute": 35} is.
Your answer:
{"hour": 3, "minute": 40}
